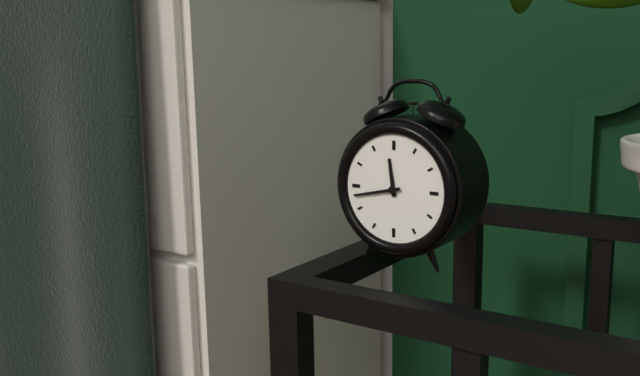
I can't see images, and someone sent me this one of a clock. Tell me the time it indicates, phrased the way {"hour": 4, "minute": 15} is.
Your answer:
{"hour": 11, "minute": 43}
